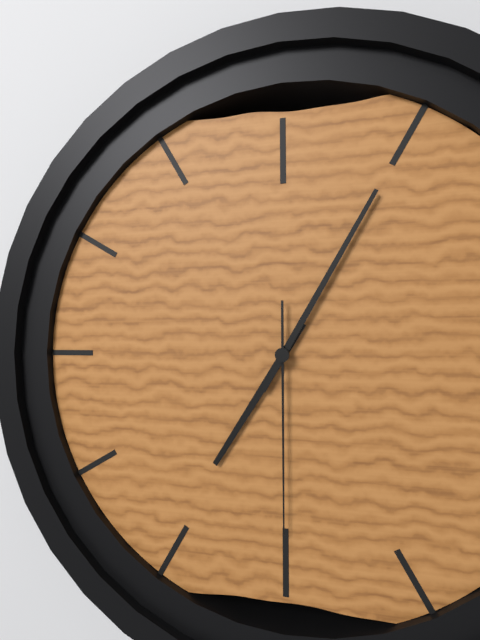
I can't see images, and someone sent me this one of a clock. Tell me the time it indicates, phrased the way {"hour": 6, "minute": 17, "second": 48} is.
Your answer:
{"hour": 7, "minute": 5, "second": 30}
